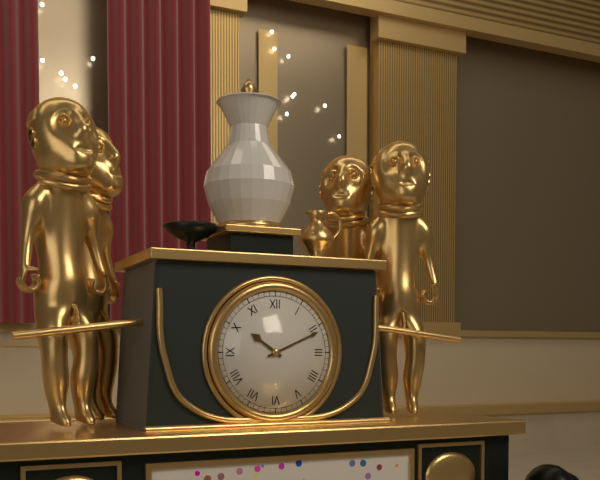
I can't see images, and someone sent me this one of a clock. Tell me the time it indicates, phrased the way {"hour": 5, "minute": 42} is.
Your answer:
{"hour": 10, "minute": 11}
